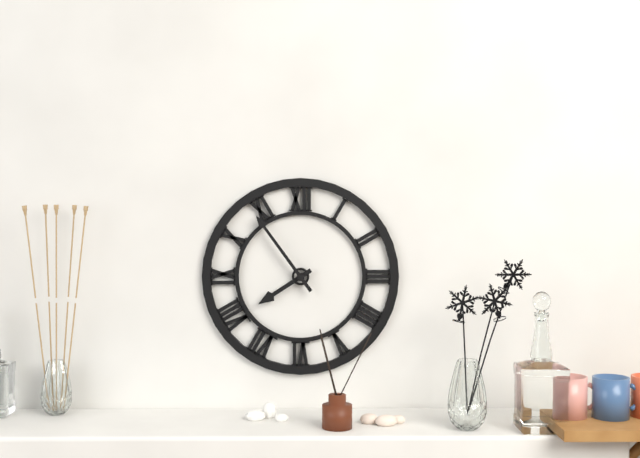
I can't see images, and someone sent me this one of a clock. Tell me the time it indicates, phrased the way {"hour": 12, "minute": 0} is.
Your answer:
{"hour": 7, "minute": 54}
